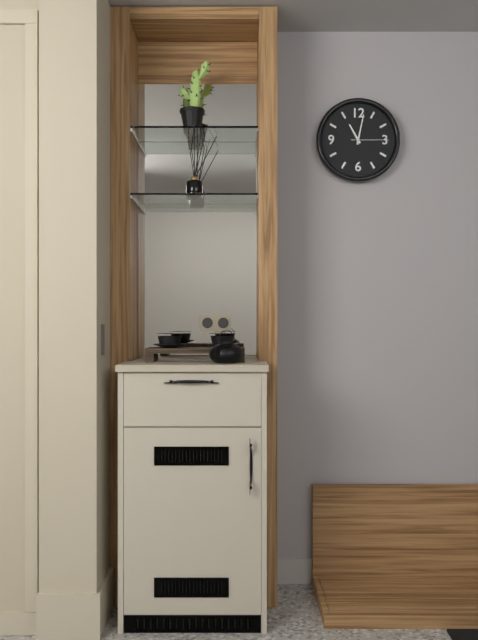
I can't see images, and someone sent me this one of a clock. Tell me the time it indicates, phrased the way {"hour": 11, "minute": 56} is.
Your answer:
{"hour": 11, "minute": 2}
